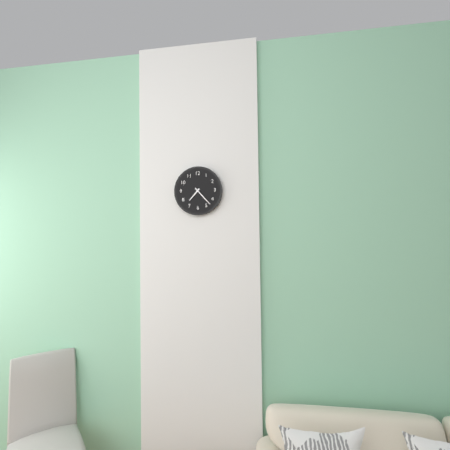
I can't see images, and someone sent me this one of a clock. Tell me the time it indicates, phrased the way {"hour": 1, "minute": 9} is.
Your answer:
{"hour": 7, "minute": 23}
